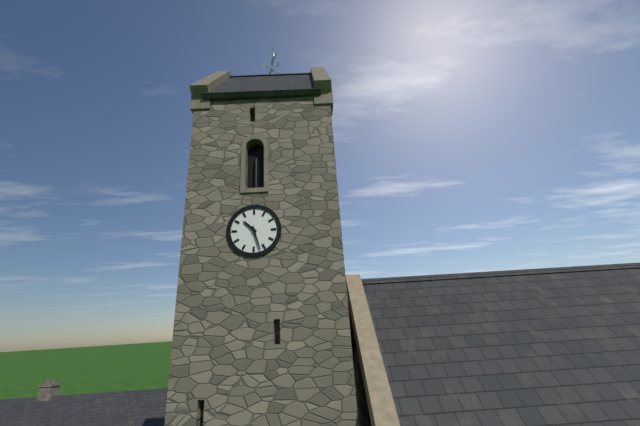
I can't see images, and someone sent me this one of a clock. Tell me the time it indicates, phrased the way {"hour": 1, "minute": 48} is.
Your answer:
{"hour": 10, "minute": 27}
